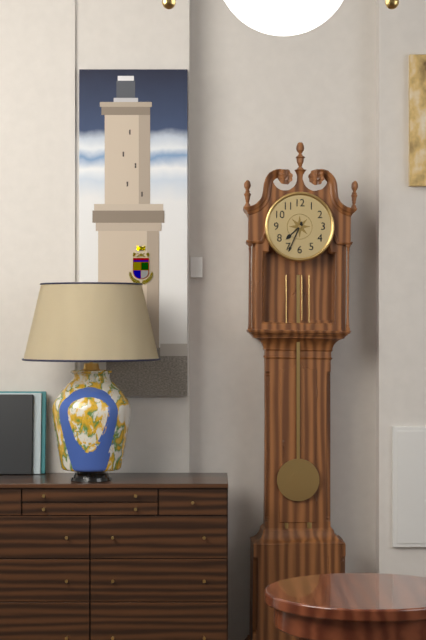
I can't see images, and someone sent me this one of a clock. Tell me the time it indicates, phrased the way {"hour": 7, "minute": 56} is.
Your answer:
{"hour": 7, "minute": 34}
